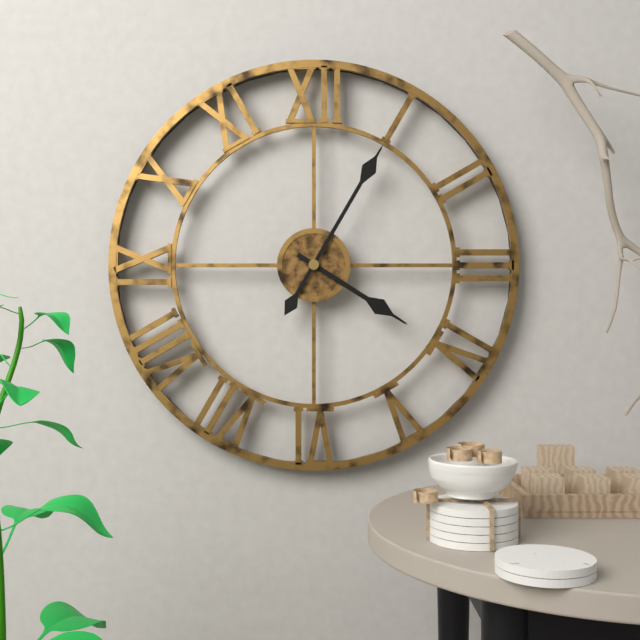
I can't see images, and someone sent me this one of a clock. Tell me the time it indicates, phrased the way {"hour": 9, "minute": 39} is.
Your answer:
{"hour": 4, "minute": 5}
